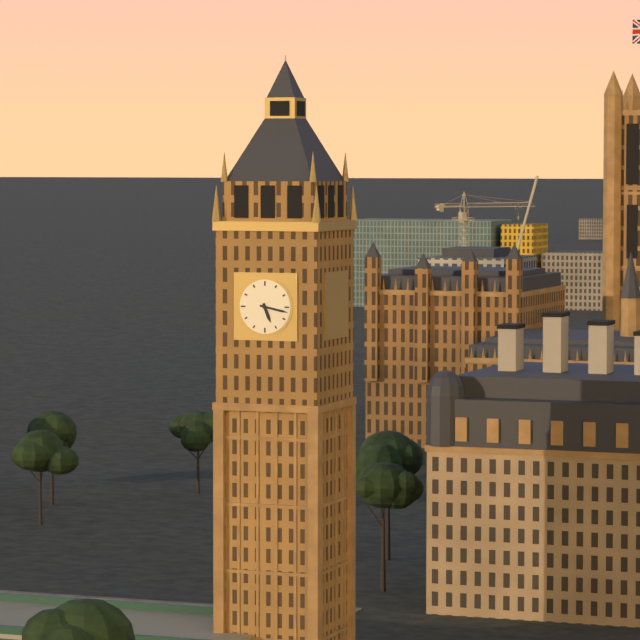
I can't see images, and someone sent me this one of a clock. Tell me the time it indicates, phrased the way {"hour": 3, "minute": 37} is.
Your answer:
{"hour": 5, "minute": 17}
